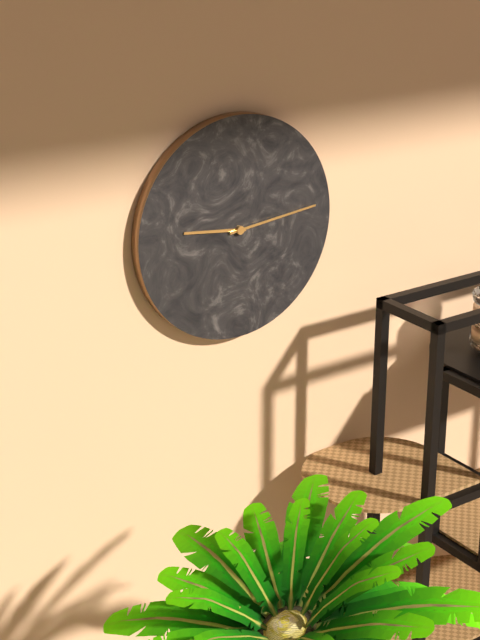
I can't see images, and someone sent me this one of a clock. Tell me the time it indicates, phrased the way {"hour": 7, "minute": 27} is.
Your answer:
{"hour": 9, "minute": 14}
